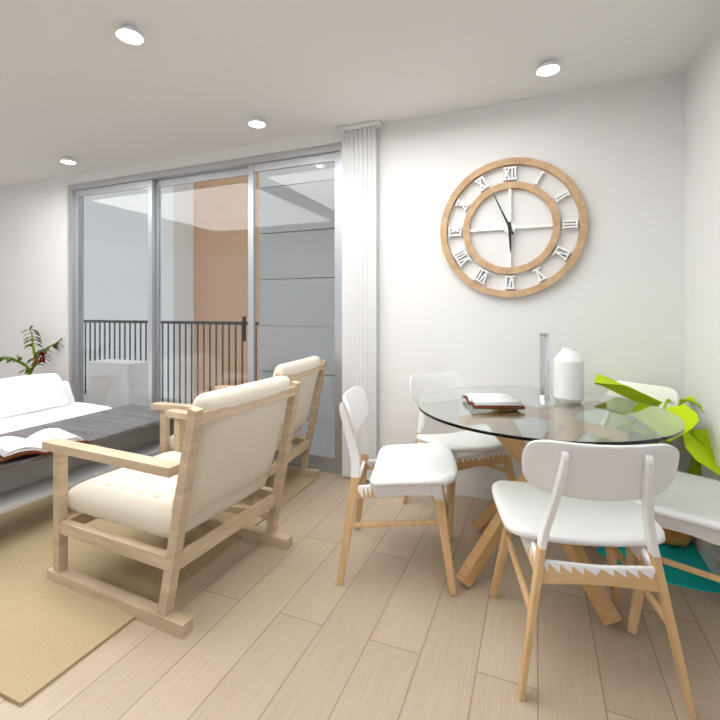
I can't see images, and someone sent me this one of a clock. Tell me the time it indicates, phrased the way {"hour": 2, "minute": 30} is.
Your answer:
{"hour": 5, "minute": 56}
